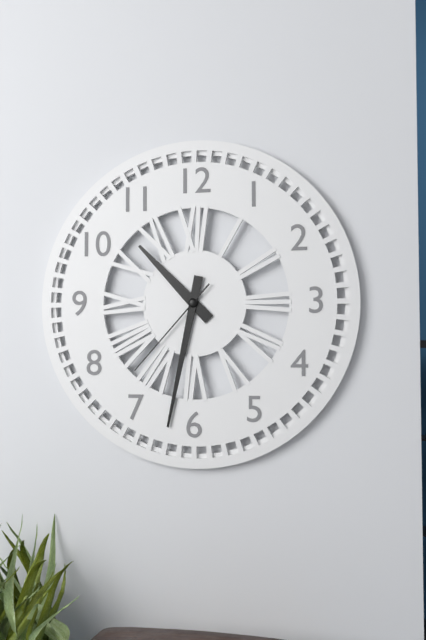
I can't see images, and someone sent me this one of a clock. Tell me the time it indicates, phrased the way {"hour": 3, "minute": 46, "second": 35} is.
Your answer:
{"hour": 10, "minute": 32, "second": 37}
